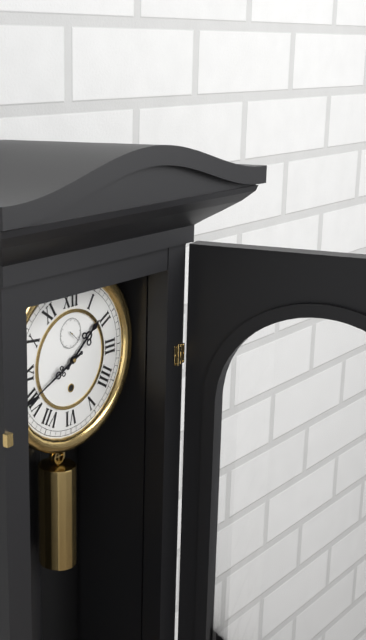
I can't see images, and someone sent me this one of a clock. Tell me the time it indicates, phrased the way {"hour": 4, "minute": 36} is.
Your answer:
{"hour": 1, "minute": 41}
